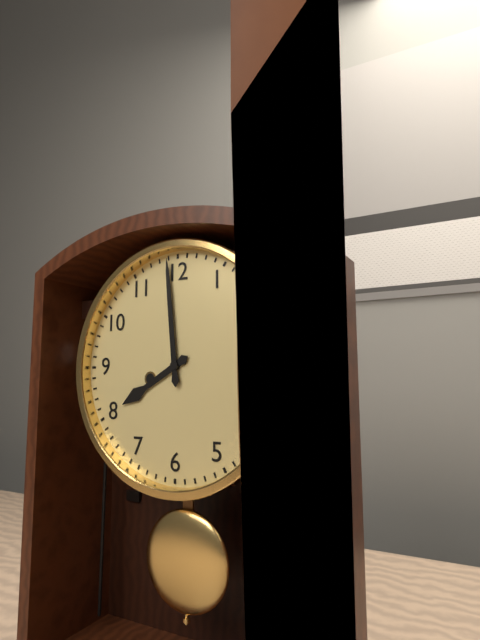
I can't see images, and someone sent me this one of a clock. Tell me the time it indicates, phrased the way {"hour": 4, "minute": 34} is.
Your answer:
{"hour": 7, "minute": 59}
